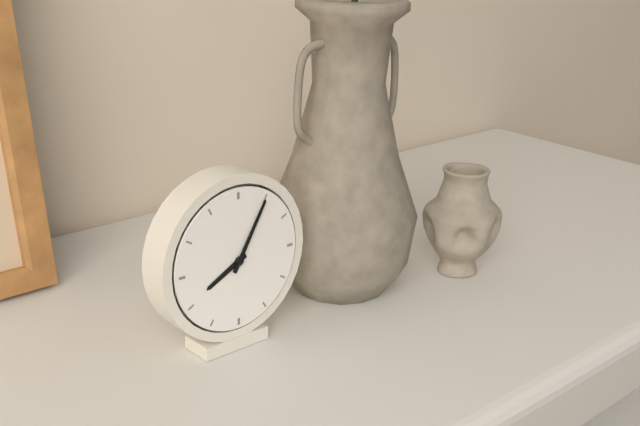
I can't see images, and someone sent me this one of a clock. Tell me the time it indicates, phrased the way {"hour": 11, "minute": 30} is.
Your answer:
{"hour": 8, "minute": 5}
